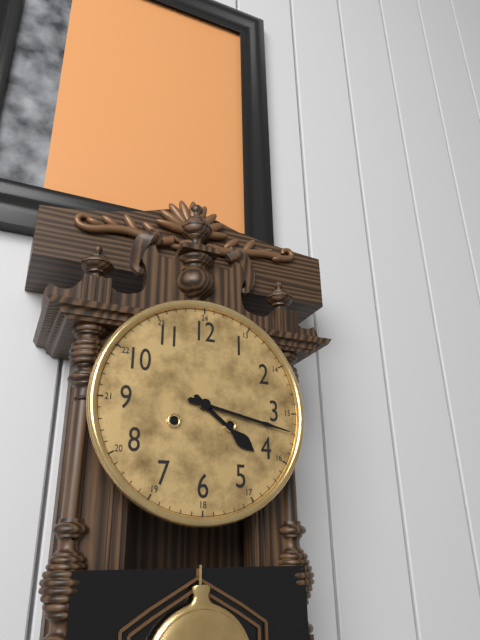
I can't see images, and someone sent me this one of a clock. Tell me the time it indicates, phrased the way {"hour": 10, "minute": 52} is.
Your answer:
{"hour": 4, "minute": 17}
